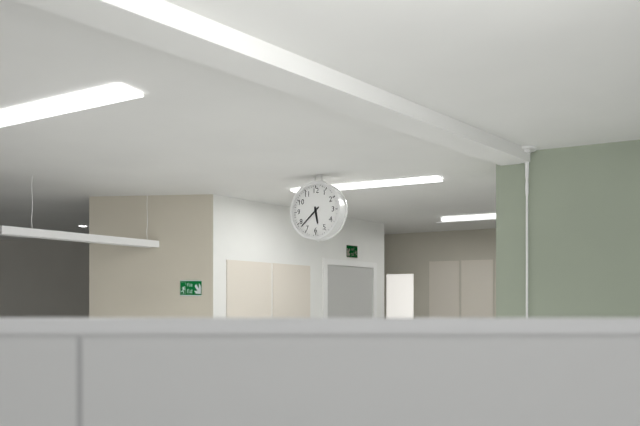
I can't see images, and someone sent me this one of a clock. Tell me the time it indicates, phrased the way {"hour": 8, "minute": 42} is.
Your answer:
{"hour": 5, "minute": 38}
